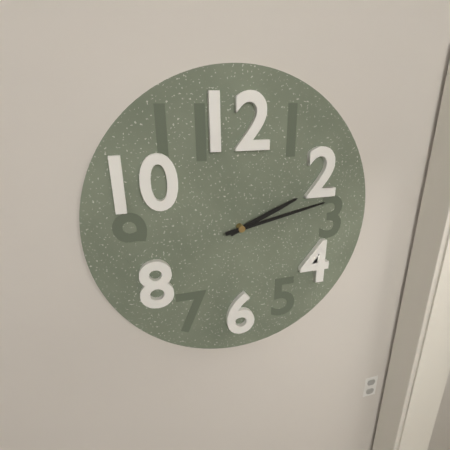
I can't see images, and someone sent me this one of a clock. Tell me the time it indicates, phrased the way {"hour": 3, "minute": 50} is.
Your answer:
{"hour": 2, "minute": 13}
